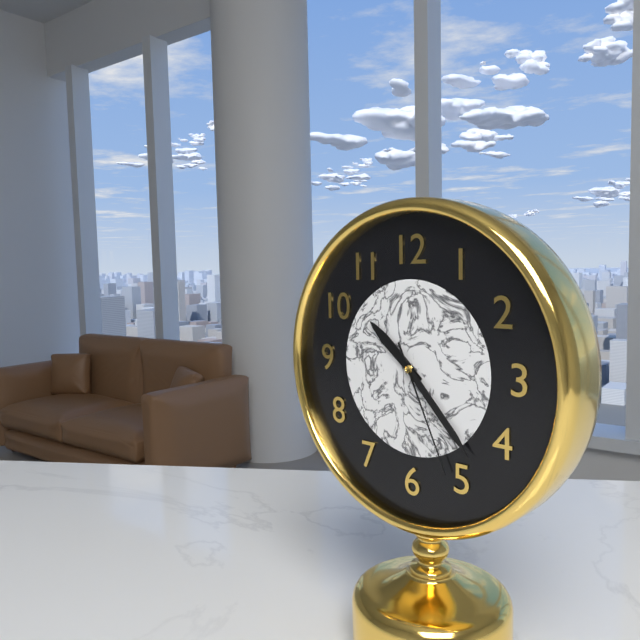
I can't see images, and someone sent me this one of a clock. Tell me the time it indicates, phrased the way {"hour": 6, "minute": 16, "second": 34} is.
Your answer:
{"hour": 10, "minute": 23, "second": 26}
